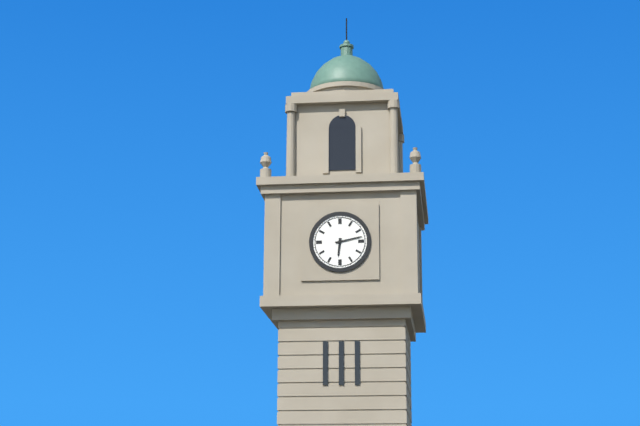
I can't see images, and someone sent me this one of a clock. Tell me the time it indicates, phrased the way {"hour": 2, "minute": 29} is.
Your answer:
{"hour": 6, "minute": 13}
